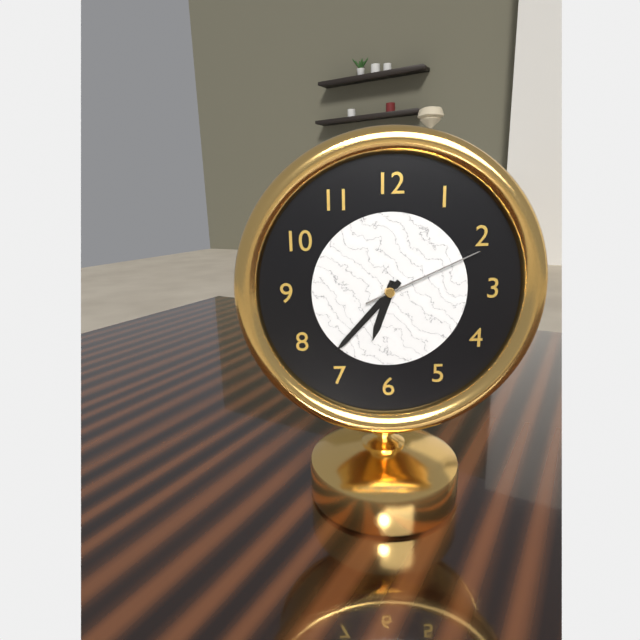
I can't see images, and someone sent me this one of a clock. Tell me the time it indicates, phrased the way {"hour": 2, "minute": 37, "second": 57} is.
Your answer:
{"hour": 6, "minute": 37, "second": 11}
